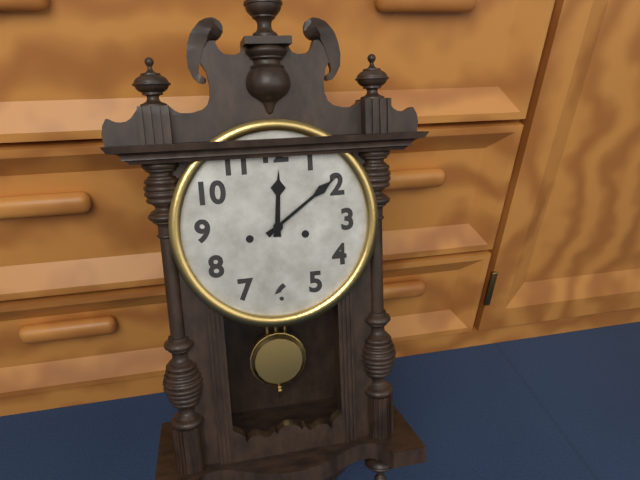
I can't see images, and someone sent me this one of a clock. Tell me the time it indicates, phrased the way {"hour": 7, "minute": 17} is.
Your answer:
{"hour": 12, "minute": 9}
